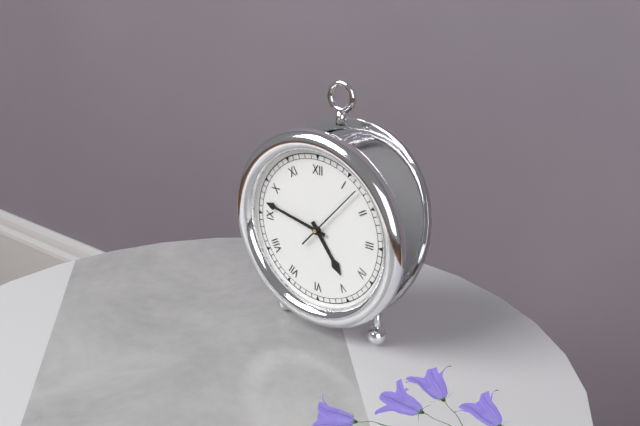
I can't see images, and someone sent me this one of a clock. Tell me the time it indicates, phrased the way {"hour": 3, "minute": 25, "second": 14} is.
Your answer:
{"hour": 4, "minute": 47, "second": 7}
